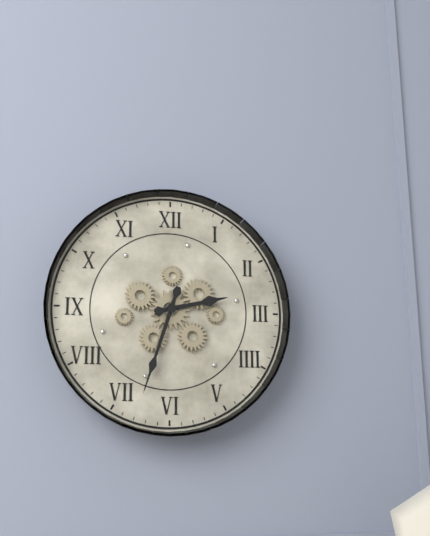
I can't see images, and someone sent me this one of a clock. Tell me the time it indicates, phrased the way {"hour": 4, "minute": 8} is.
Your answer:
{"hour": 2, "minute": 33}
